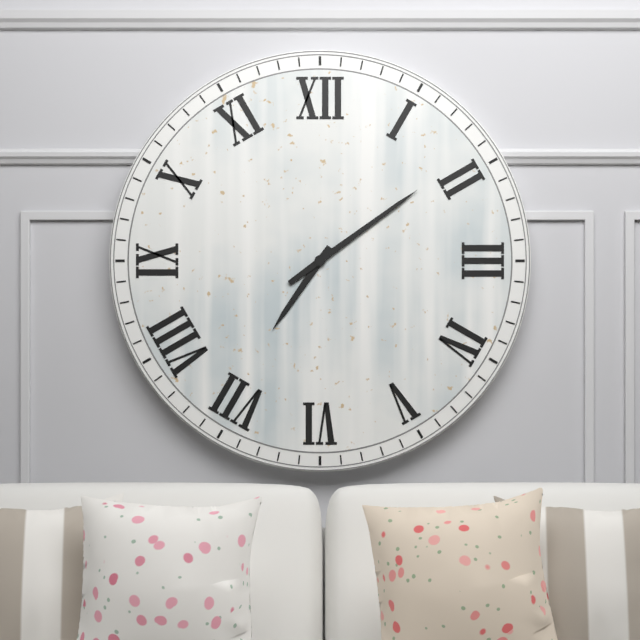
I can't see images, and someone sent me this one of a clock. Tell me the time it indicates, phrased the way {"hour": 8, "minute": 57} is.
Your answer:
{"hour": 7, "minute": 9}
